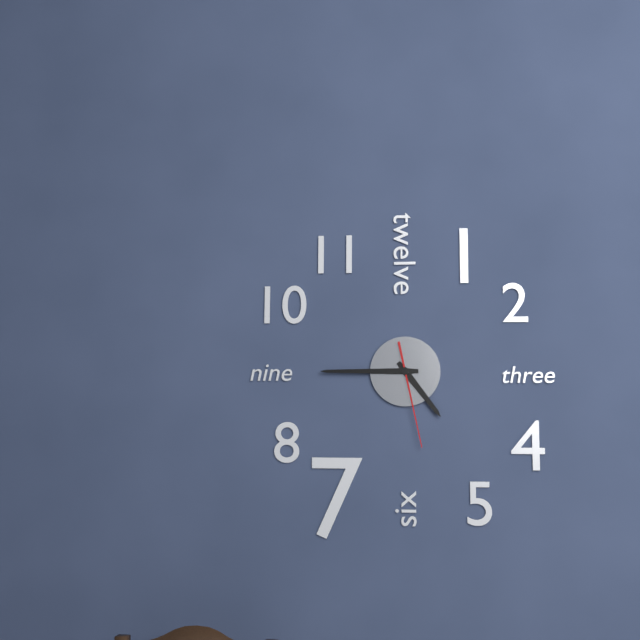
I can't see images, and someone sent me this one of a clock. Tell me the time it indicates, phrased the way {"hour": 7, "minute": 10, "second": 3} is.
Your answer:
{"hour": 4, "minute": 45, "second": 28}
